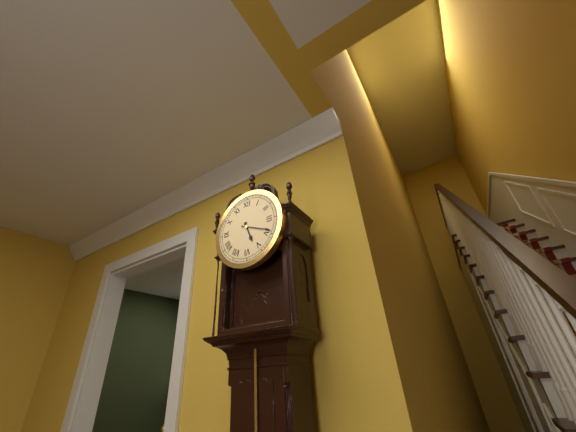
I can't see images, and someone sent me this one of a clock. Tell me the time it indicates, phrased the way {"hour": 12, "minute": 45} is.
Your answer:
{"hour": 5, "minute": 19}
